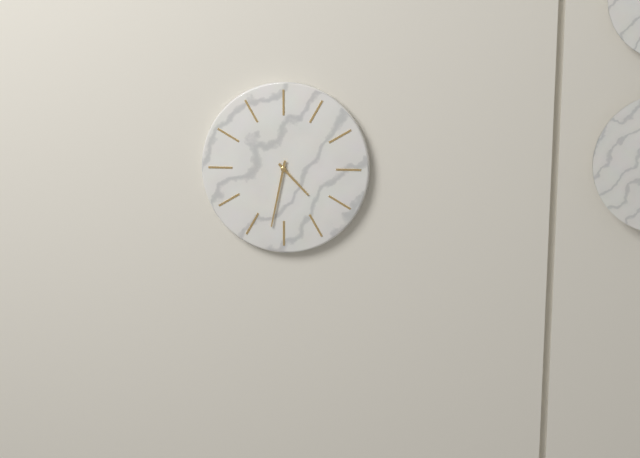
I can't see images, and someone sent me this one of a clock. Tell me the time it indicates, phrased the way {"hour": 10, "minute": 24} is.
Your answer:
{"hour": 4, "minute": 32}
